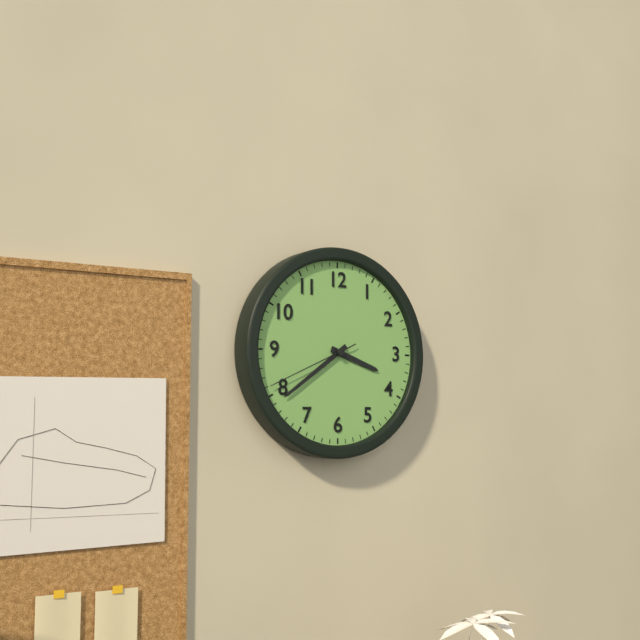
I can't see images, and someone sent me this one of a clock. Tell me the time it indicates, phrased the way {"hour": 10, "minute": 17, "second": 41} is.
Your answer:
{"hour": 3, "minute": 39, "second": 41}
